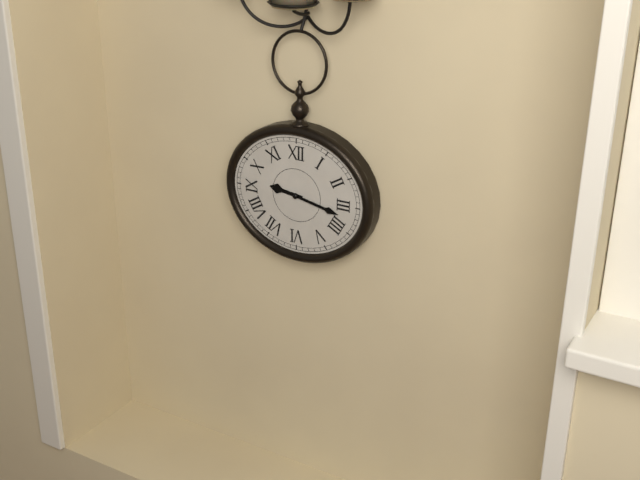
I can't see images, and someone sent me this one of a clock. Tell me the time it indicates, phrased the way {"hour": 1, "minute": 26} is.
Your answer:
{"hour": 9, "minute": 17}
